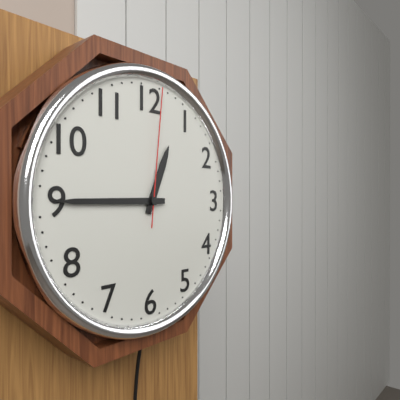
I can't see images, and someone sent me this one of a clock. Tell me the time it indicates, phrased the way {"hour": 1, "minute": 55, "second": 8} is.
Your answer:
{"hour": 12, "minute": 45, "second": 1}
